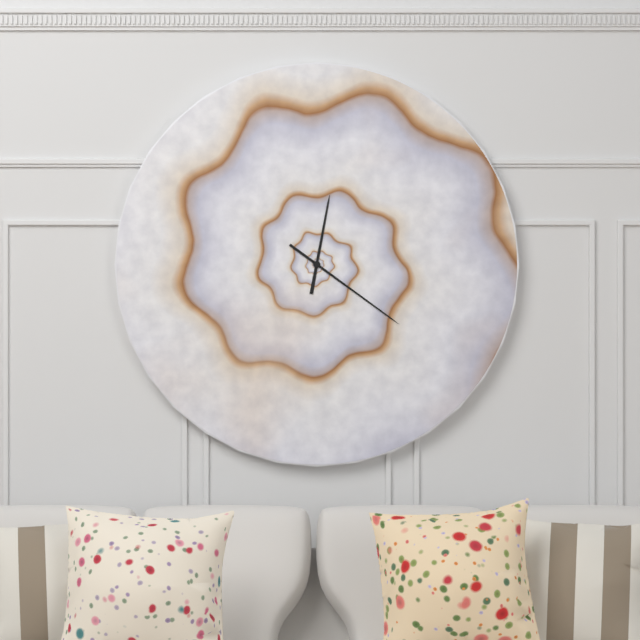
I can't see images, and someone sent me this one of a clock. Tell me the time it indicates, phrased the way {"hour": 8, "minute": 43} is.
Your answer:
{"hour": 12, "minute": 21}
